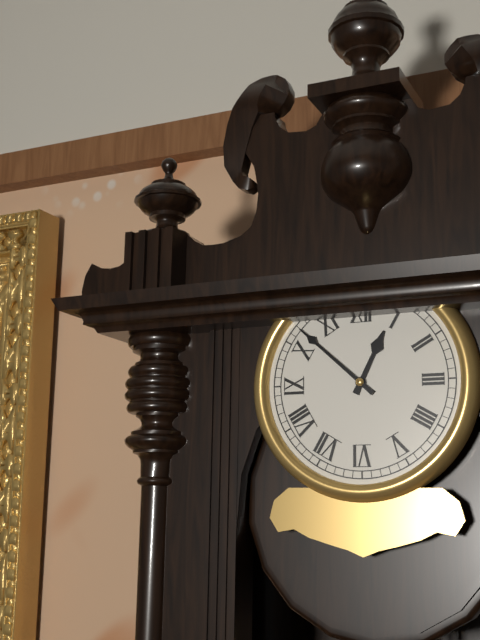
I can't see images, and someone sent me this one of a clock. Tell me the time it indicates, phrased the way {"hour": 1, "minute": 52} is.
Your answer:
{"hour": 12, "minute": 52}
